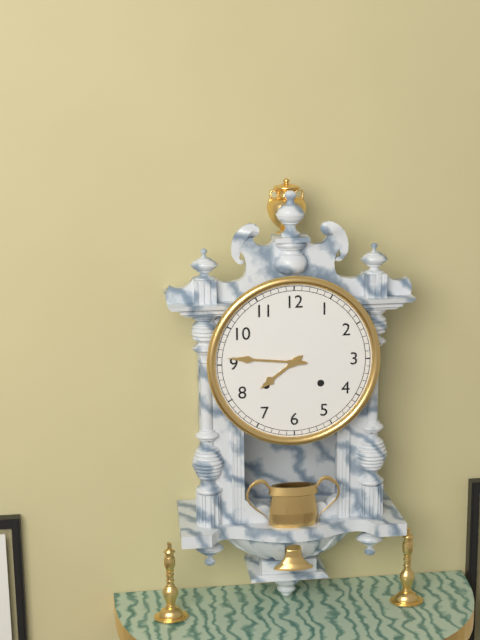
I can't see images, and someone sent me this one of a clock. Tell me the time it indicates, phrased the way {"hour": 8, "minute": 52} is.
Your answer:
{"hour": 7, "minute": 46}
